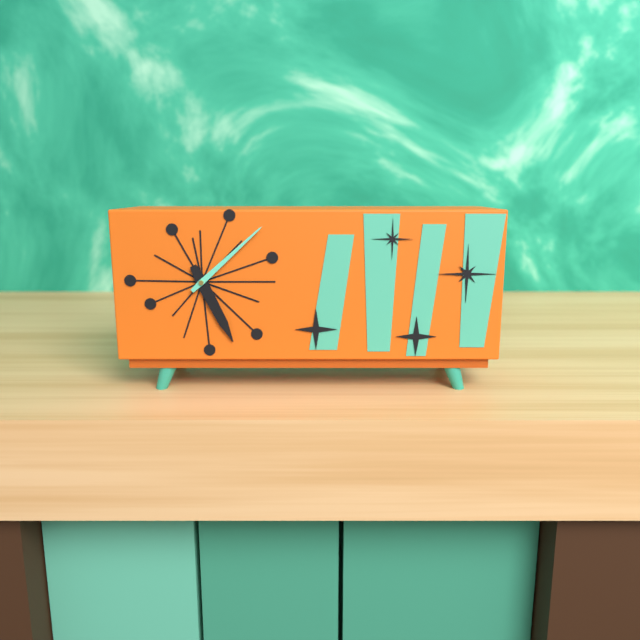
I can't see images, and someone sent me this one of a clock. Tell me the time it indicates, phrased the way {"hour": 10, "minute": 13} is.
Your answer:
{"hour": 5, "minute": 8}
